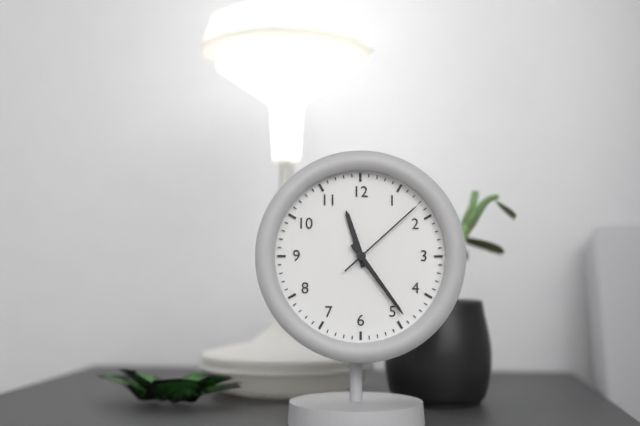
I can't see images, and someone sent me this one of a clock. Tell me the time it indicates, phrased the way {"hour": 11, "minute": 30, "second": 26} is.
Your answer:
{"hour": 11, "minute": 24, "second": 8}
